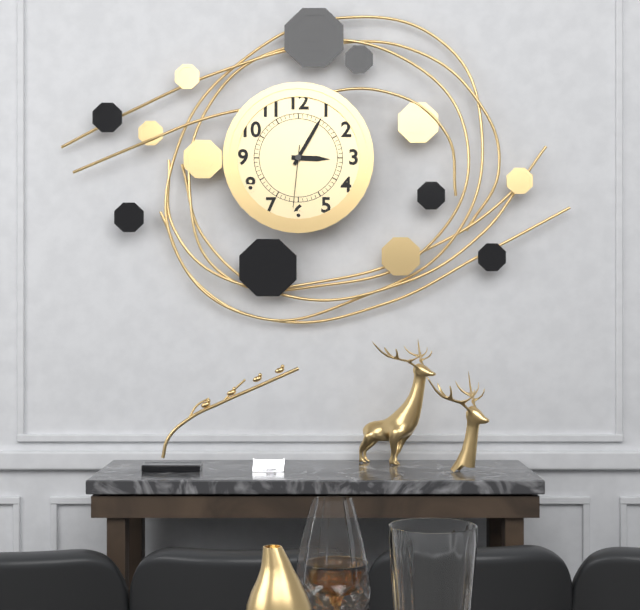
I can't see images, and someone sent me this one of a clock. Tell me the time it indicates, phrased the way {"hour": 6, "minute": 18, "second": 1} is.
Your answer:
{"hour": 3, "minute": 5, "second": 31}
